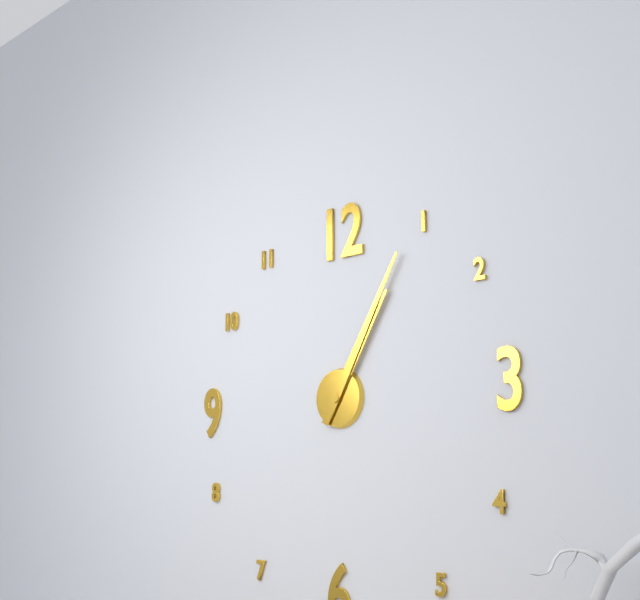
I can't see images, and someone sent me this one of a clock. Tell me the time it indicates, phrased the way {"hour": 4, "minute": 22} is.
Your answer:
{"hour": 1, "minute": 5}
